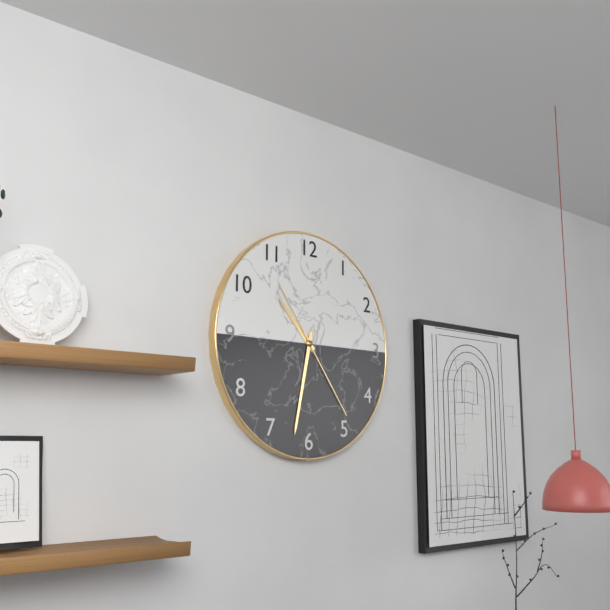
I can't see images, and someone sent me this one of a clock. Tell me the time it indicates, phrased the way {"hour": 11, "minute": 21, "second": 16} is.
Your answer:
{"hour": 10, "minute": 32, "second": 24}
